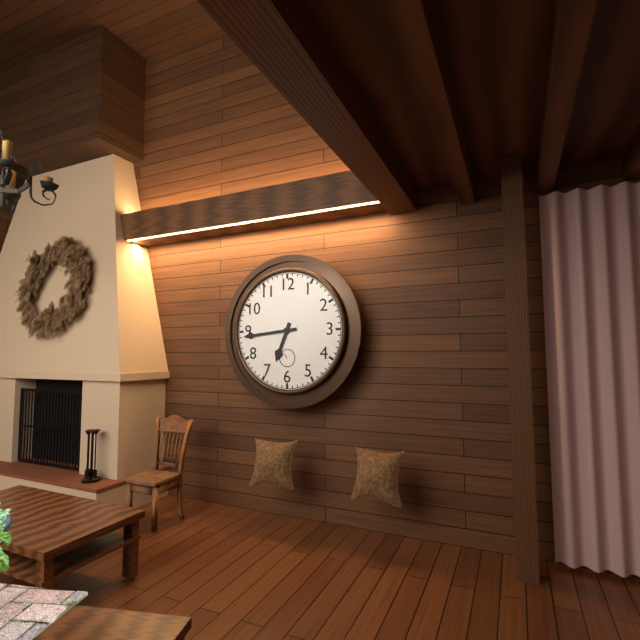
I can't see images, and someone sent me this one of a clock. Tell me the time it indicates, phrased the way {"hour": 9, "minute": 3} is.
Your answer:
{"hour": 6, "minute": 44}
